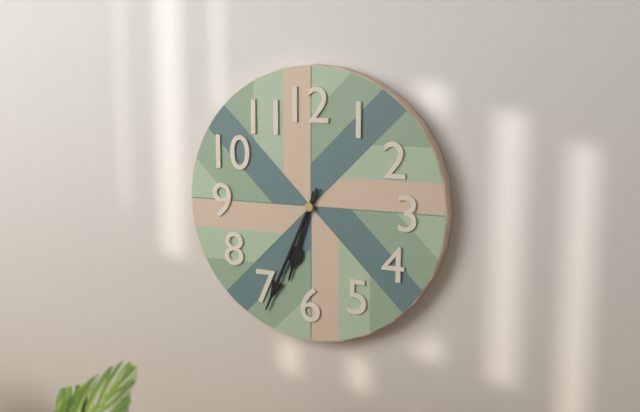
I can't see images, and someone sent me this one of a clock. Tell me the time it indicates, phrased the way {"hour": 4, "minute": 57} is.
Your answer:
{"hour": 6, "minute": 34}
